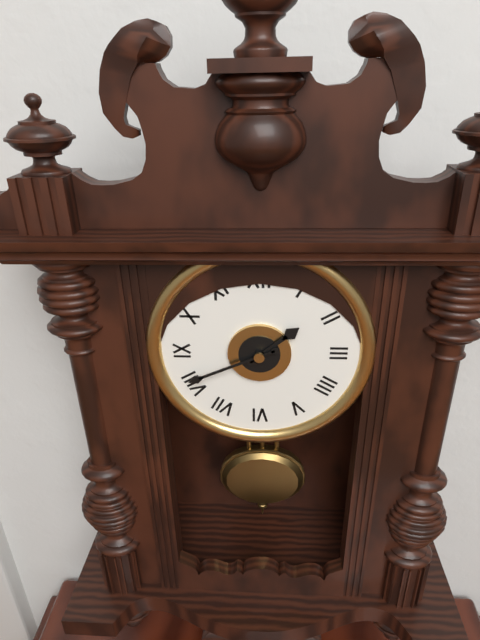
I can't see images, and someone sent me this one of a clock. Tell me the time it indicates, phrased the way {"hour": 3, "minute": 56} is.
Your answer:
{"hour": 1, "minute": 41}
